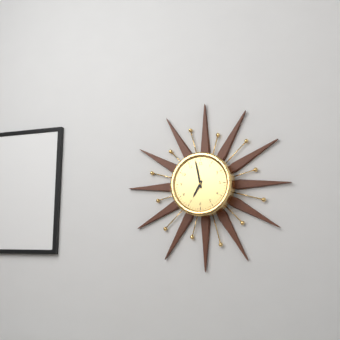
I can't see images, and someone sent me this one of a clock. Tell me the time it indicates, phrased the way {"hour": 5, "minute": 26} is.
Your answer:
{"hour": 6, "minute": 58}
